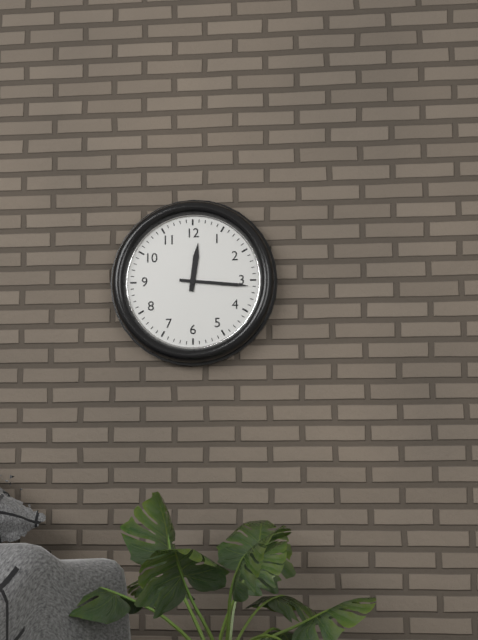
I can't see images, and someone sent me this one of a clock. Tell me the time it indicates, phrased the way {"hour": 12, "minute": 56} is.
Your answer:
{"hour": 12, "minute": 16}
